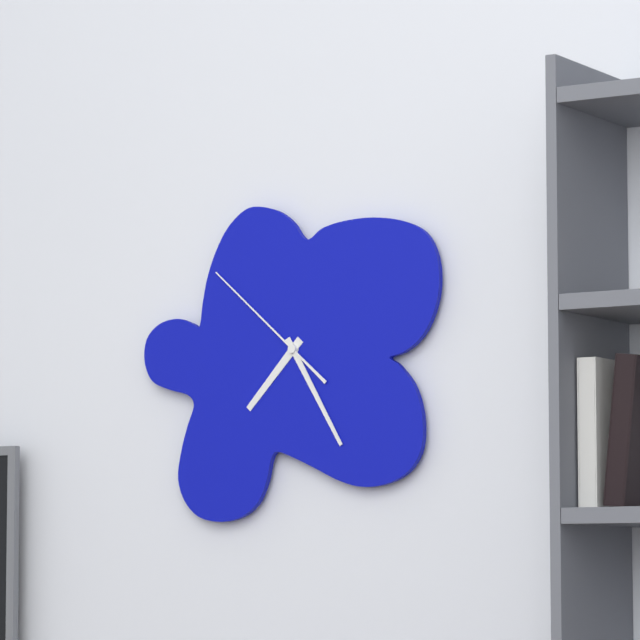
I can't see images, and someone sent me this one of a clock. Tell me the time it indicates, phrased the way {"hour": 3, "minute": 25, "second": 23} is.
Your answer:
{"hour": 7, "minute": 25, "second": 52}
